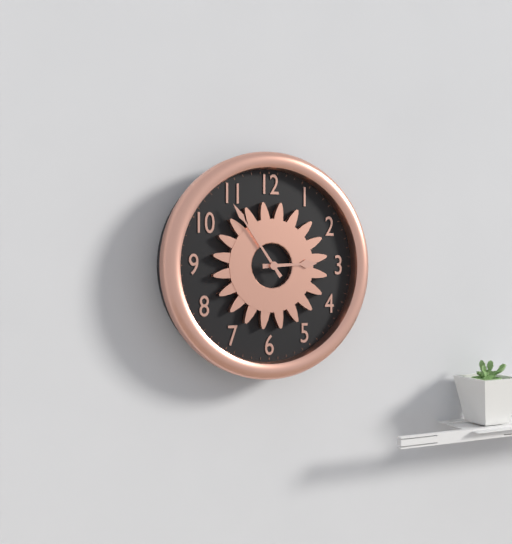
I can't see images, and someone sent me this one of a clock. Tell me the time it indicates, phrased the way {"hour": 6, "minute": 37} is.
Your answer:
{"hour": 2, "minute": 54}
